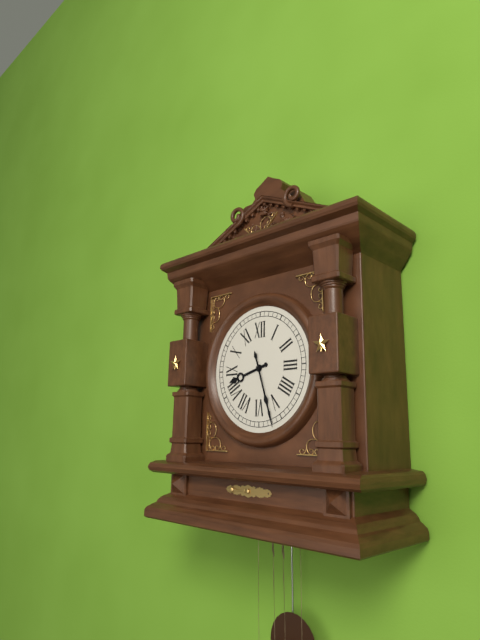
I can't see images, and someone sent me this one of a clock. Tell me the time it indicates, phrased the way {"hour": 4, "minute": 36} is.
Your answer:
{"hour": 8, "minute": 27}
